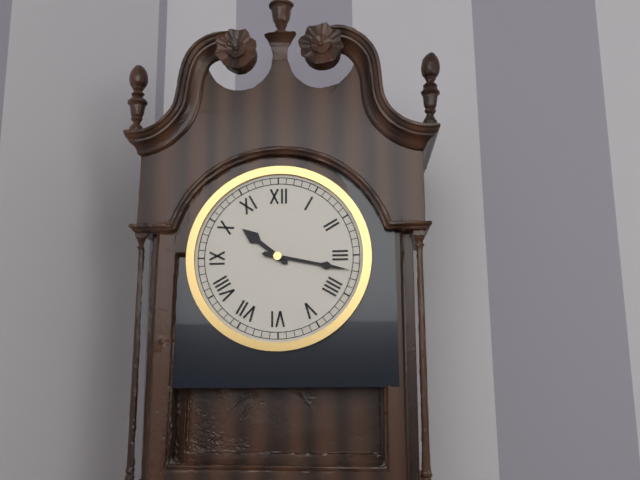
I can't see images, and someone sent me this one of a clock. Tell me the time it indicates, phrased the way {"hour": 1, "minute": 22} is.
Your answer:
{"hour": 10, "minute": 17}
